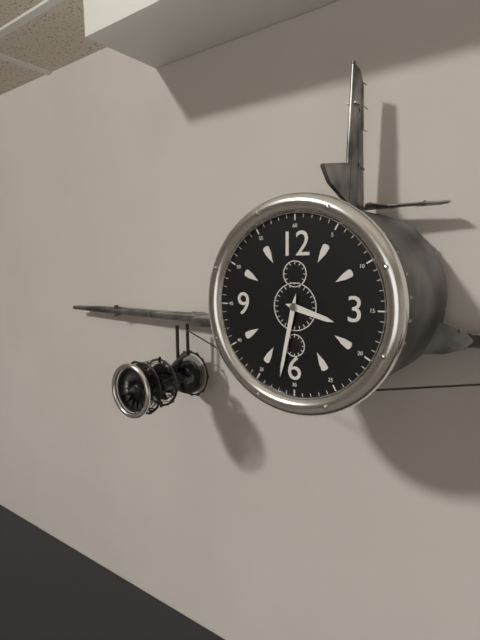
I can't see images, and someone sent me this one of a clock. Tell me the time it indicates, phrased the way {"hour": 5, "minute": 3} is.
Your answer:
{"hour": 3, "minute": 32}
